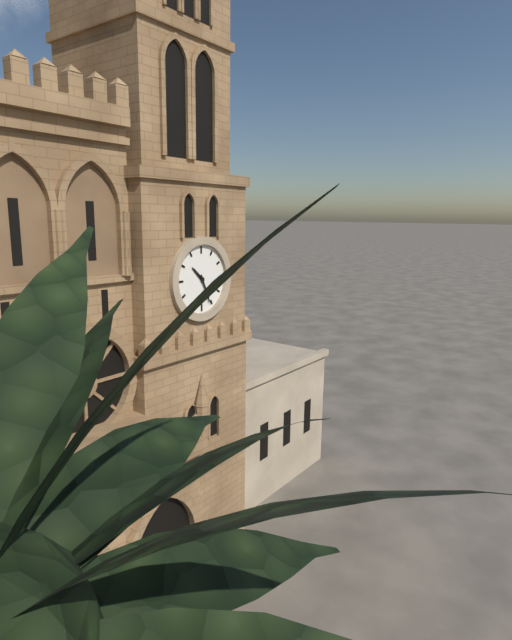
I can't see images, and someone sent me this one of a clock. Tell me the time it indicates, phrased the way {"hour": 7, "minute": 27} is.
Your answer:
{"hour": 10, "minute": 26}
